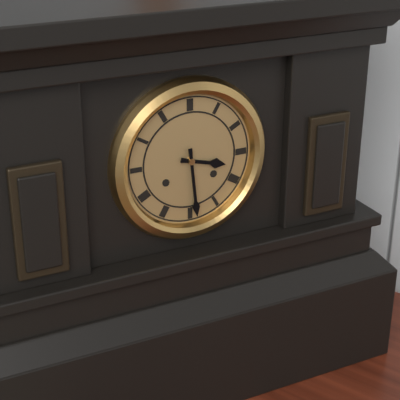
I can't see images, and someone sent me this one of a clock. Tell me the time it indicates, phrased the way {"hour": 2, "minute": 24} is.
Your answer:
{"hour": 3, "minute": 29}
